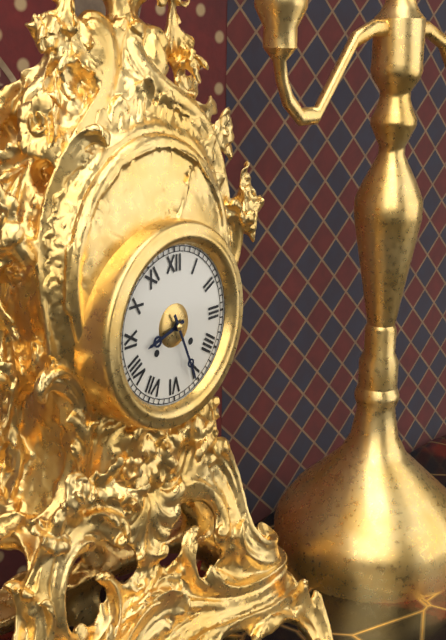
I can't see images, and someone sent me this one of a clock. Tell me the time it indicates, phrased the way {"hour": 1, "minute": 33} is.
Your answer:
{"hour": 8, "minute": 26}
